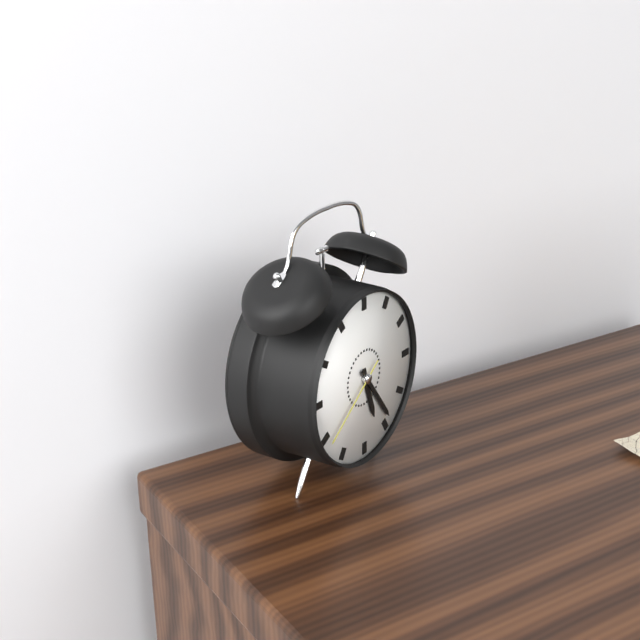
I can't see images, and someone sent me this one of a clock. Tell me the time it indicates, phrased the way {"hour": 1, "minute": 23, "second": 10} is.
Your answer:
{"hour": 5, "minute": 24, "second": 39}
